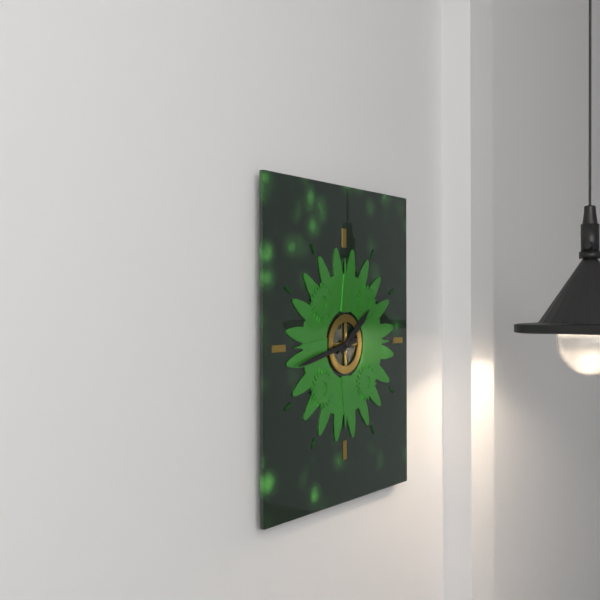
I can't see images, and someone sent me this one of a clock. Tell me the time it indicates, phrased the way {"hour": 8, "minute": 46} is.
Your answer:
{"hour": 1, "minute": 43}
